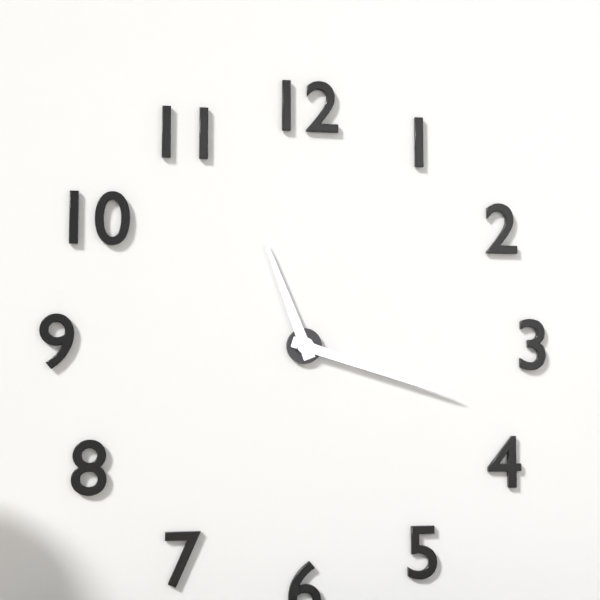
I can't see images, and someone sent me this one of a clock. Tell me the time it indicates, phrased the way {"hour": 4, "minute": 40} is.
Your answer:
{"hour": 11, "minute": 18}
